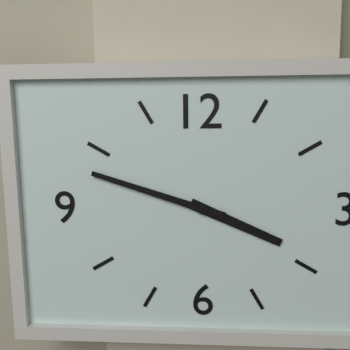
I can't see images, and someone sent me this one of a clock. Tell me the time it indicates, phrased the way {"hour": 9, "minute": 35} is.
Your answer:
{"hour": 3, "minute": 48}
